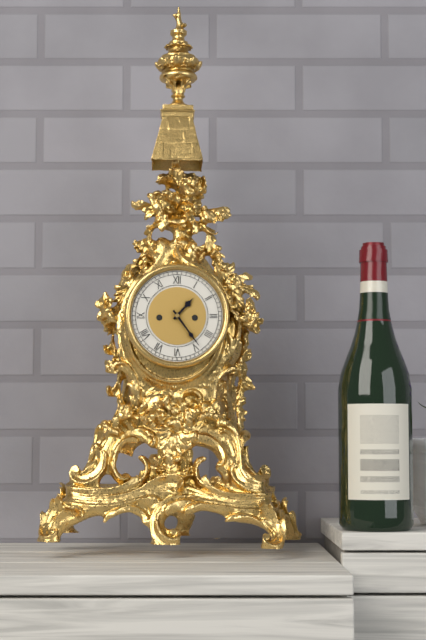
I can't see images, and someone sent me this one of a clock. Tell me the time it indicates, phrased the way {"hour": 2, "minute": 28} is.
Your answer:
{"hour": 1, "minute": 24}
